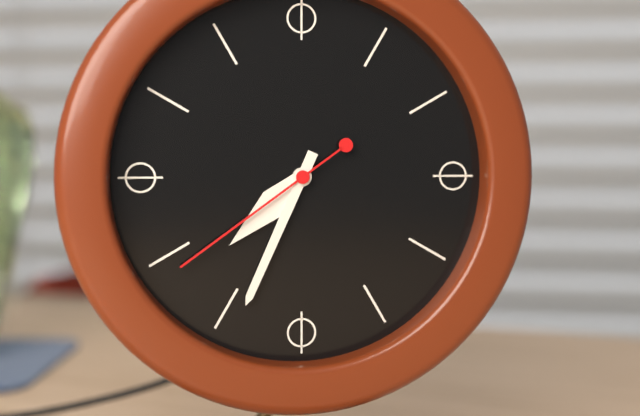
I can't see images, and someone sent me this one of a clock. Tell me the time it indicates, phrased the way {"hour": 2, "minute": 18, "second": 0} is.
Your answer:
{"hour": 7, "minute": 34, "second": 39}
